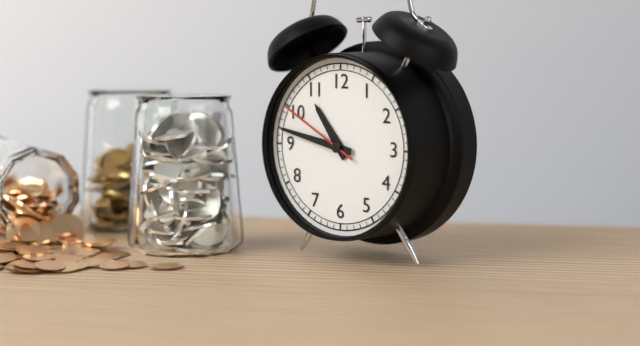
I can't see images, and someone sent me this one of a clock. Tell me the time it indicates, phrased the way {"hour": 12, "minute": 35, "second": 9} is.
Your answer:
{"hour": 10, "minute": 47, "second": 50}
